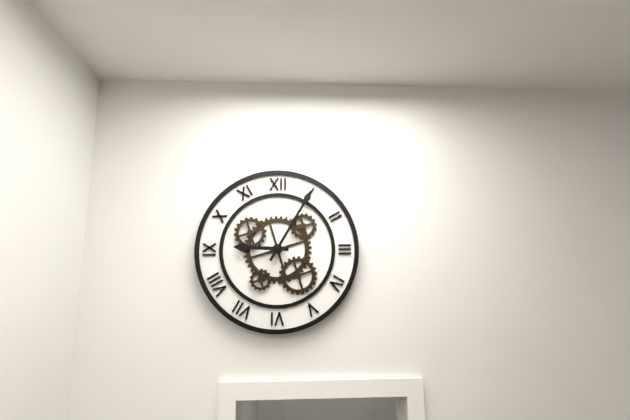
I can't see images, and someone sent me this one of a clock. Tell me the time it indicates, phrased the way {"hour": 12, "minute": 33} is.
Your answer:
{"hour": 9, "minute": 5}
